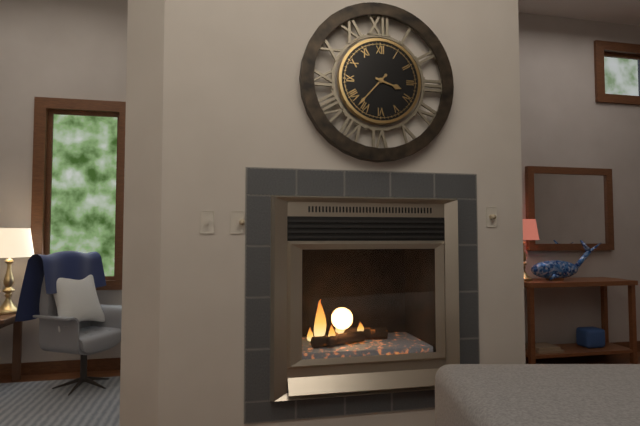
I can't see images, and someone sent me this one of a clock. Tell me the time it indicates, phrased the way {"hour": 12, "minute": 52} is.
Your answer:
{"hour": 3, "minute": 37}
